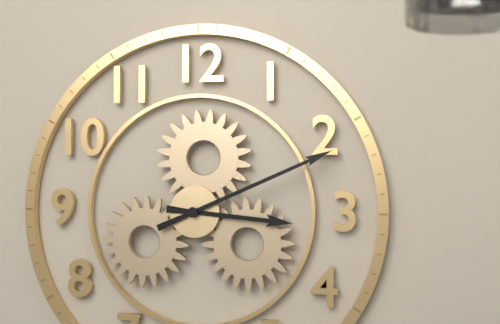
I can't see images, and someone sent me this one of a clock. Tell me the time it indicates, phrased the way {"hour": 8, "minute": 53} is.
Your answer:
{"hour": 3, "minute": 11}
